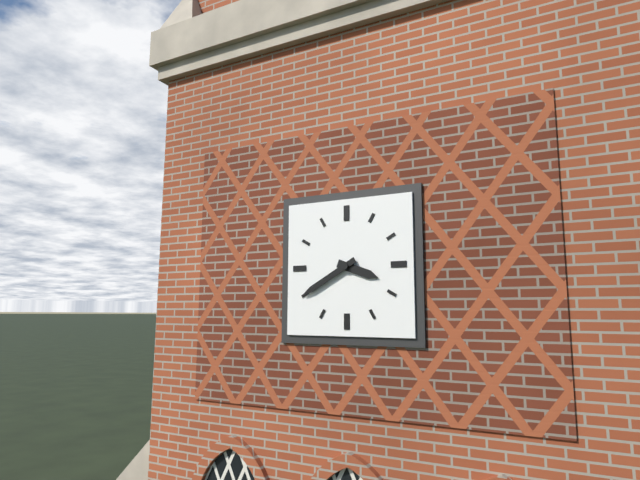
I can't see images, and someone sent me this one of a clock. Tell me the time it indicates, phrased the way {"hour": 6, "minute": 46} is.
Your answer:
{"hour": 3, "minute": 40}
